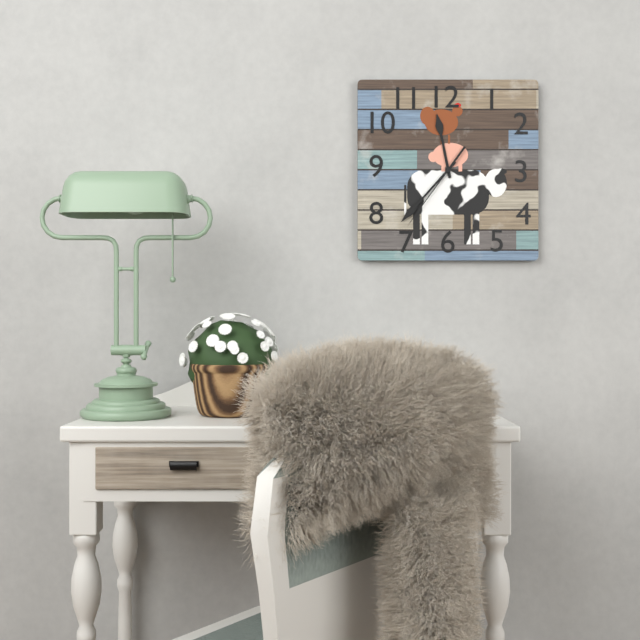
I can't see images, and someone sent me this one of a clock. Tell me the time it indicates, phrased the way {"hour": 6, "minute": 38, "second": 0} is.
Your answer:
{"hour": 11, "minute": 37, "second": 36}
